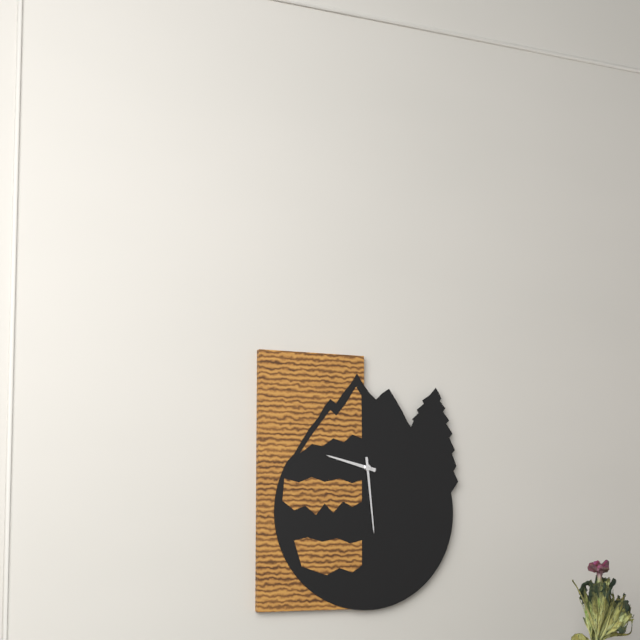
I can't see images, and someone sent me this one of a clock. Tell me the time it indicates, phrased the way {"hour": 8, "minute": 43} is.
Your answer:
{"hour": 9, "minute": 29}
